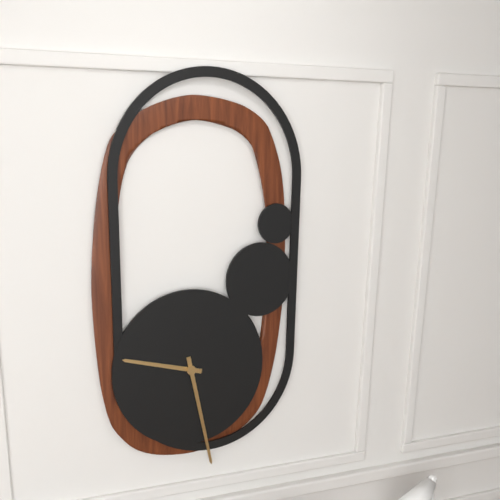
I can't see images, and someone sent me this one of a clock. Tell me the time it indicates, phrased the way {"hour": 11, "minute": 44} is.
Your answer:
{"hour": 9, "minute": 28}
